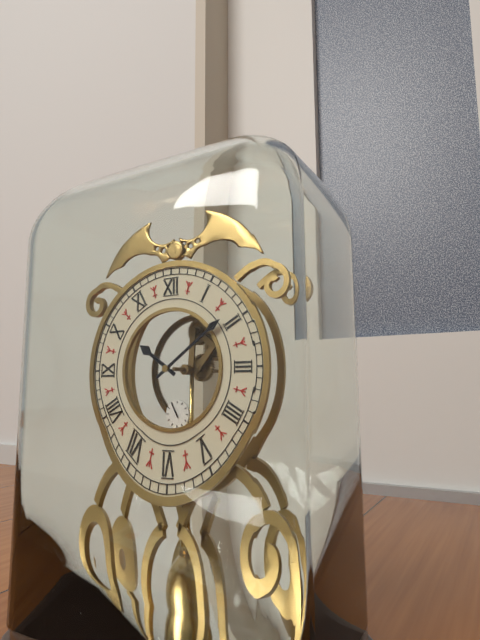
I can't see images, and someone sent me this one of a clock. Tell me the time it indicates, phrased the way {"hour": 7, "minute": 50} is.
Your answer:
{"hour": 10, "minute": 9}
